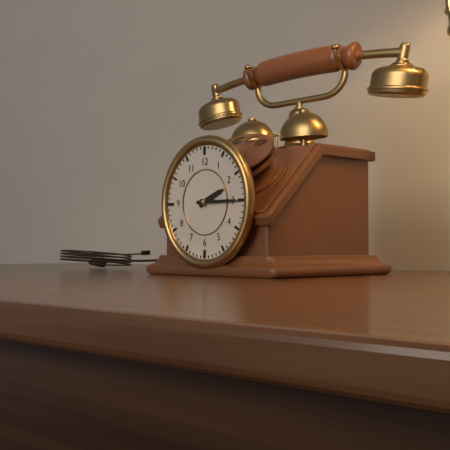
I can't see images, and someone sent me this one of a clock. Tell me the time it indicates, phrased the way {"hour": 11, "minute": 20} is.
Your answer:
{"hour": 2, "minute": 15}
